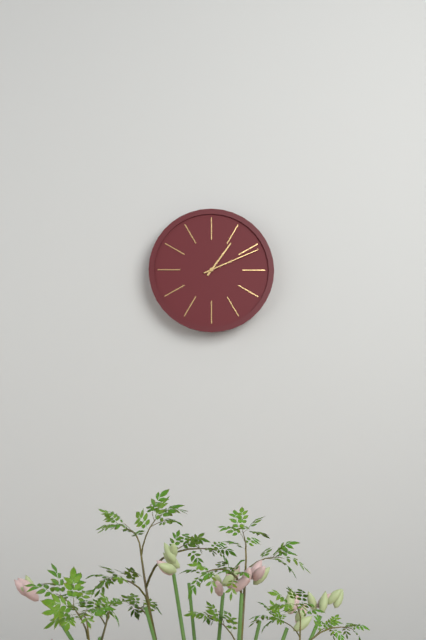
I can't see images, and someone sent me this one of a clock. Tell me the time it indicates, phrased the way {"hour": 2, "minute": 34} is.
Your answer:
{"hour": 1, "minute": 11}
